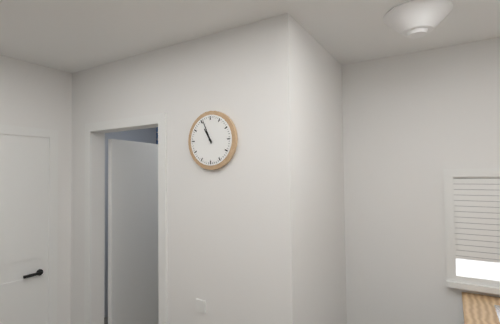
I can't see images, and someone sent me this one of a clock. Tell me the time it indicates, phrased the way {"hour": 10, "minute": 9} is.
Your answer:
{"hour": 10, "minute": 56}
